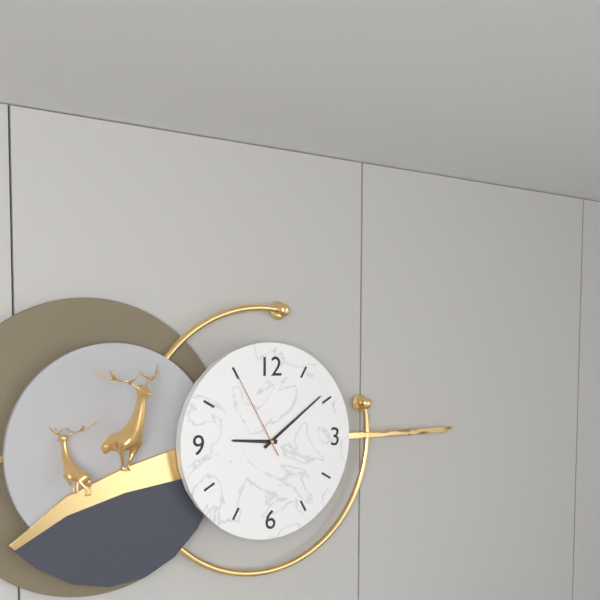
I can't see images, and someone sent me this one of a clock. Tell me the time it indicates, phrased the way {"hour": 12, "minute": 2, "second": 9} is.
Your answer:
{"hour": 9, "minute": 9, "second": 55}
